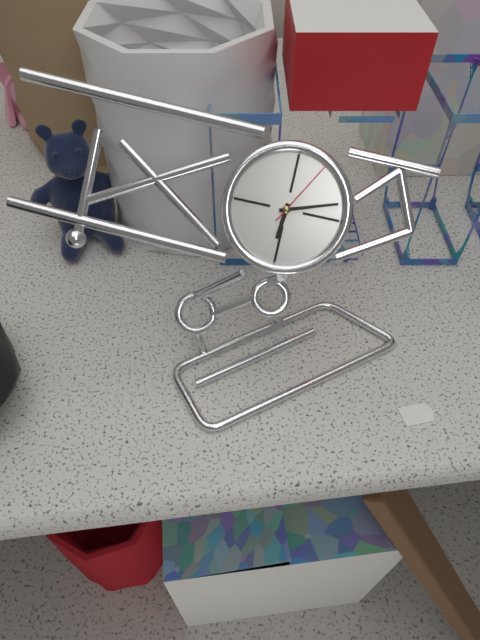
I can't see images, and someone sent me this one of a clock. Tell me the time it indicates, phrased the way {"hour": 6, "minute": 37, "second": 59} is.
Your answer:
{"hour": 6, "minute": 12, "second": 5}
